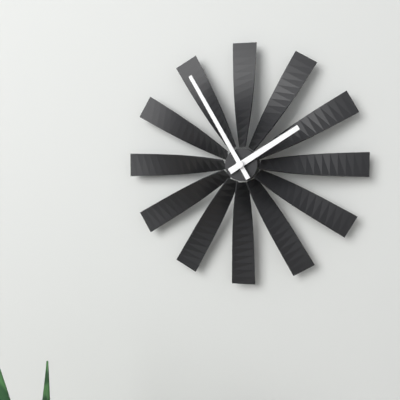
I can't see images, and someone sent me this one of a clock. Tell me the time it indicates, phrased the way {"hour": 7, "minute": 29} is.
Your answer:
{"hour": 1, "minute": 55}
